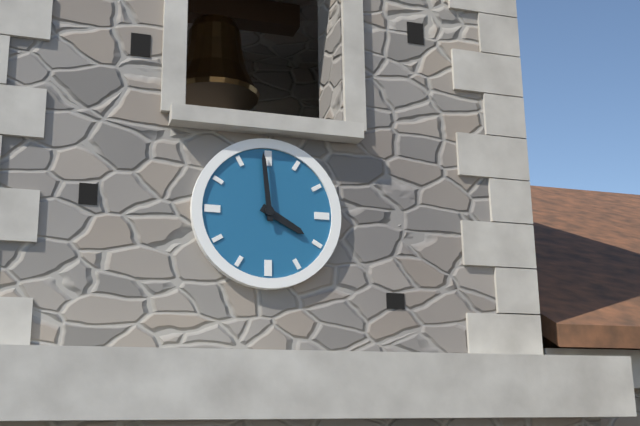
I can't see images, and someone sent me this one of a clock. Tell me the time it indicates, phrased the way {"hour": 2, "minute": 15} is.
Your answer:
{"hour": 3, "minute": 59}
